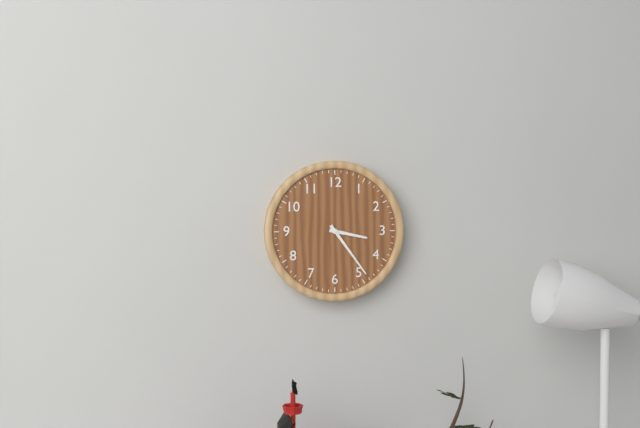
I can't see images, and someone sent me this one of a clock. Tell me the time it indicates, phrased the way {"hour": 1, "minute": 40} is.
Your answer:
{"hour": 3, "minute": 24}
